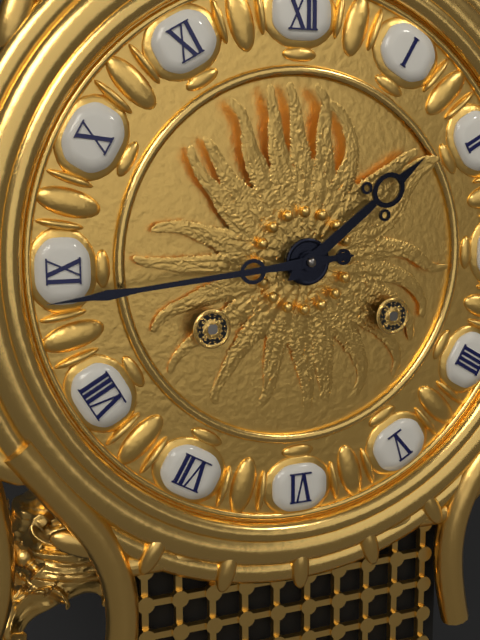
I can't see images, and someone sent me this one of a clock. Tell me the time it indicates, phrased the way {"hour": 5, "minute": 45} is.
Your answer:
{"hour": 1, "minute": 44}
